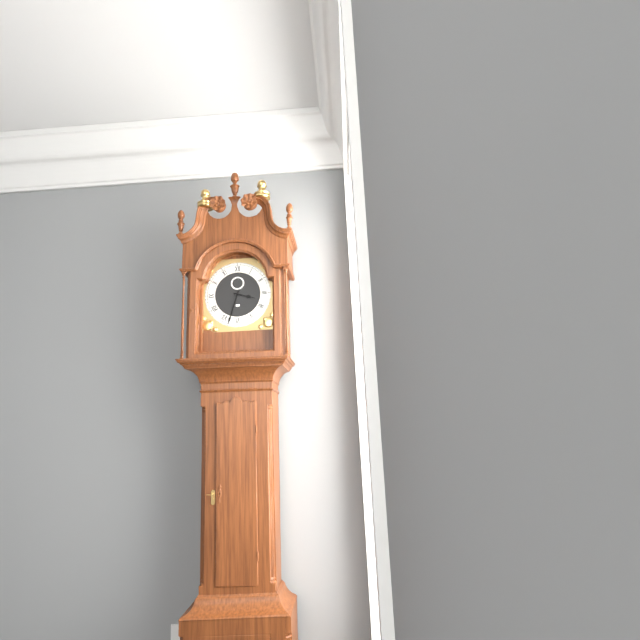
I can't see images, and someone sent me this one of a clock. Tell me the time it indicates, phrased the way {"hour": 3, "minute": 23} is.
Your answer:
{"hour": 3, "minute": 33}
